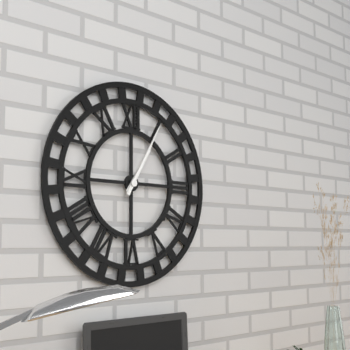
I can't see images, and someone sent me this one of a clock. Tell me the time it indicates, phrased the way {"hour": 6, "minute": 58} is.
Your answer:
{"hour": 1, "minute": 5}
